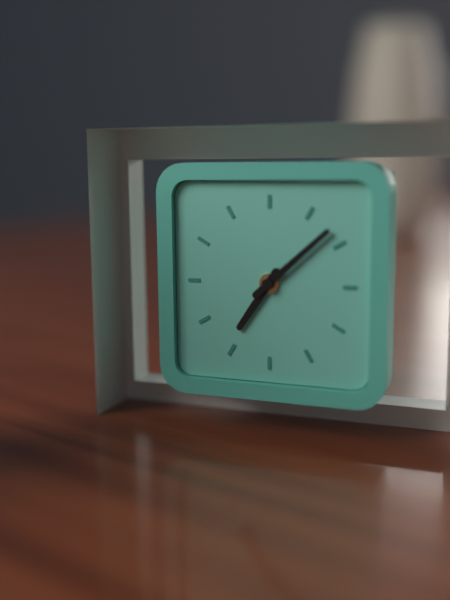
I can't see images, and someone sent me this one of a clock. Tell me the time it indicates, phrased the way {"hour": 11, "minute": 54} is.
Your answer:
{"hour": 7, "minute": 8}
